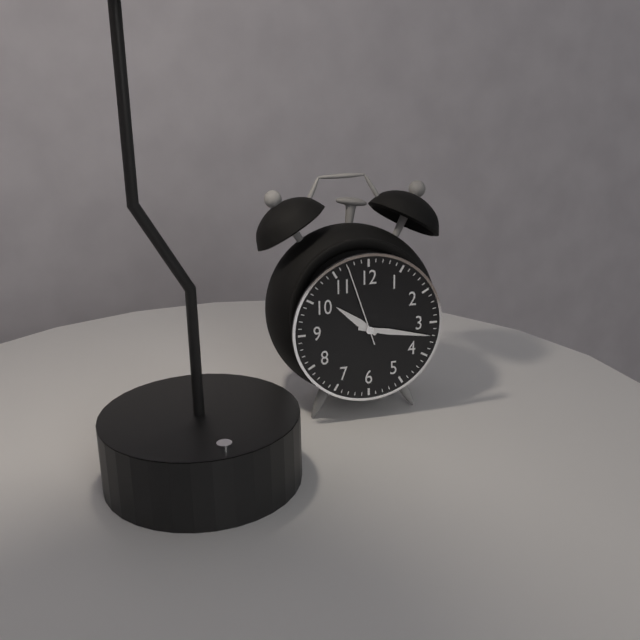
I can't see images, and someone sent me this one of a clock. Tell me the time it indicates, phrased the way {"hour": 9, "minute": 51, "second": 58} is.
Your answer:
{"hour": 10, "minute": 17, "second": 57}
